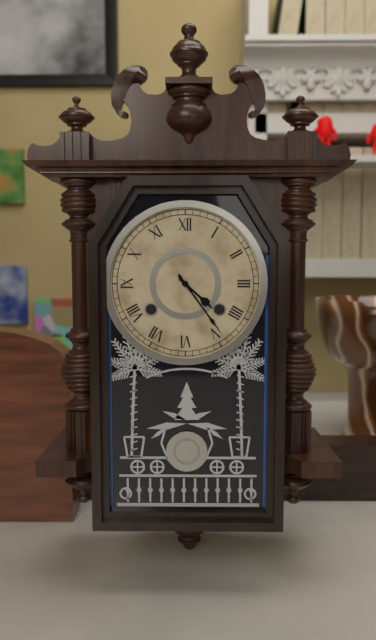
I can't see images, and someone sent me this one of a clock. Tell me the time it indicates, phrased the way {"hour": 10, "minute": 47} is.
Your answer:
{"hour": 4, "minute": 24}
